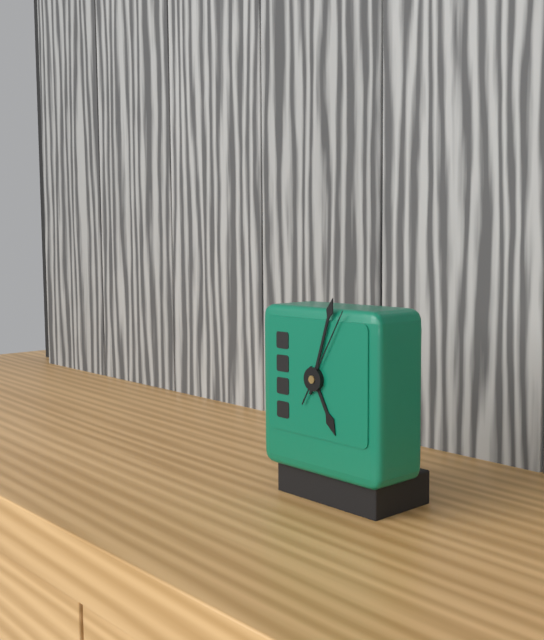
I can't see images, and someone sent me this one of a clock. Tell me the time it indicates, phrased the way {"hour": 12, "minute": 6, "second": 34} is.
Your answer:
{"hour": 5, "minute": 3, "second": 5}
